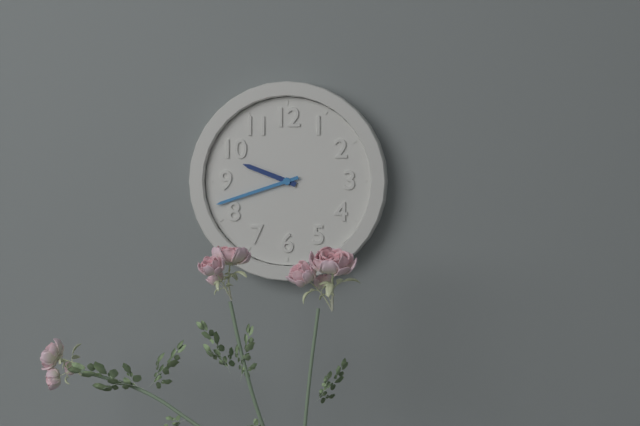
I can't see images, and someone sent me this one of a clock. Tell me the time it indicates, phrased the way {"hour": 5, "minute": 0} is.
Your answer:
{"hour": 9, "minute": 42}
